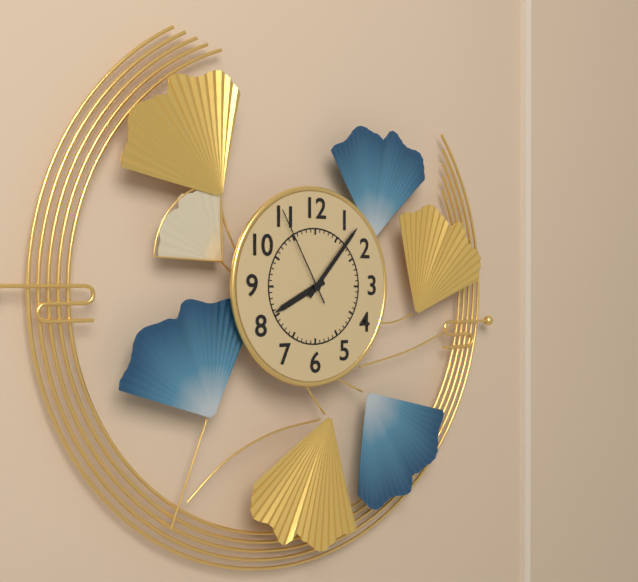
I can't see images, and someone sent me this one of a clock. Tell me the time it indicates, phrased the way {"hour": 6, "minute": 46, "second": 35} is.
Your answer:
{"hour": 8, "minute": 7, "second": 55}
